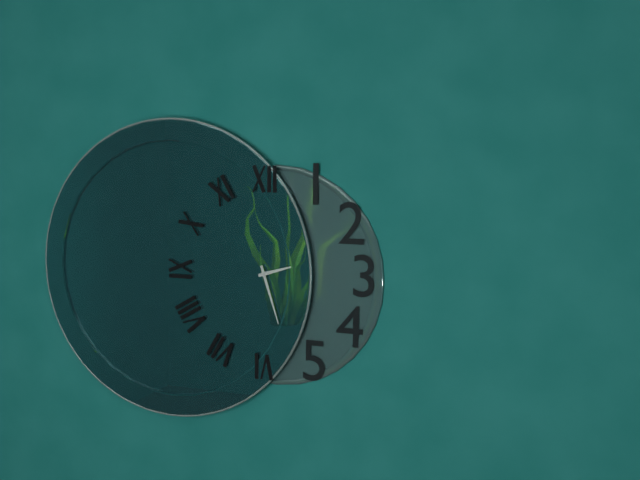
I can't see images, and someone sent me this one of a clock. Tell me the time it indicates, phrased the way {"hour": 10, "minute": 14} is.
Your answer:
{"hour": 2, "minute": 27}
